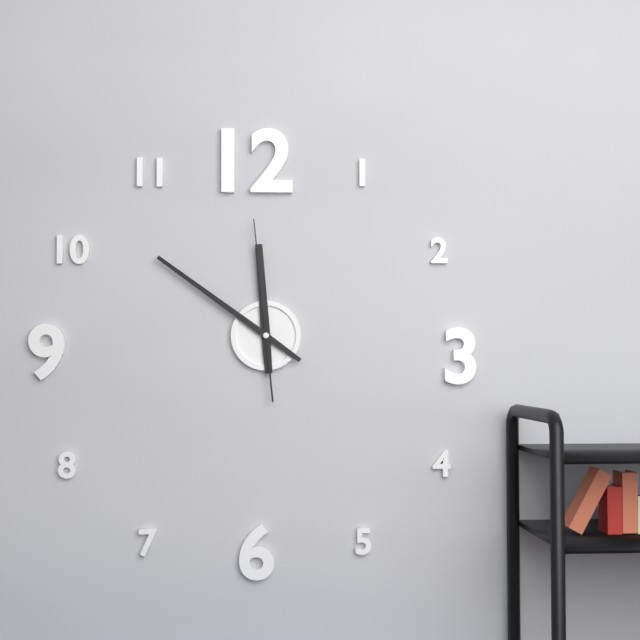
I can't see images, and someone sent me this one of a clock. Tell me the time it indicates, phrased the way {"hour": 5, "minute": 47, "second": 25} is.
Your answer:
{"hour": 11, "minute": 51, "second": 59}
